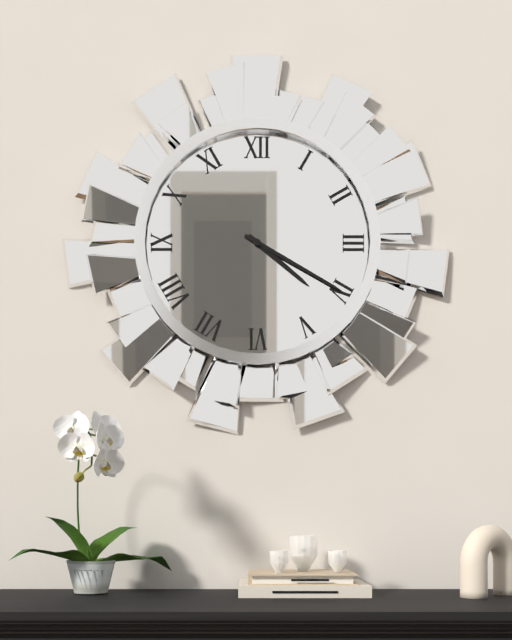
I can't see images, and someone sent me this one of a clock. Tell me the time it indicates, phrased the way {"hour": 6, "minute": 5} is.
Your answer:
{"hour": 4, "minute": 20}
